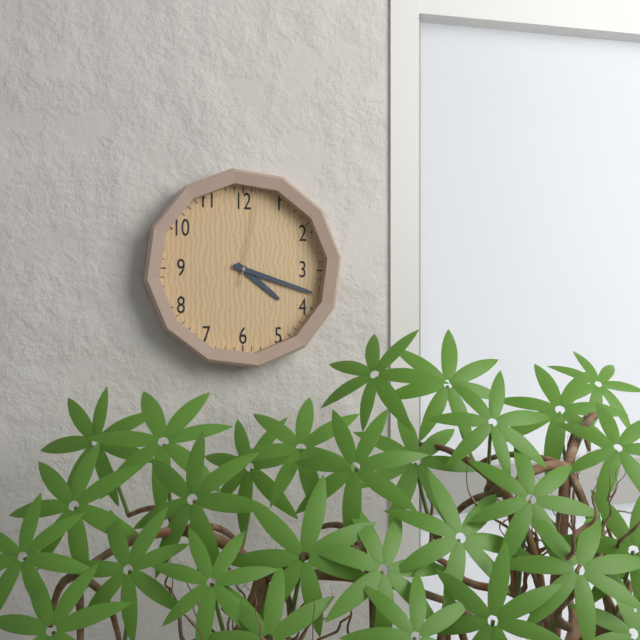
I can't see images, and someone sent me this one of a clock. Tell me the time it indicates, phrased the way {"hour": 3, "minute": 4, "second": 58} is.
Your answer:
{"hour": 4, "minute": 18, "second": 2}
